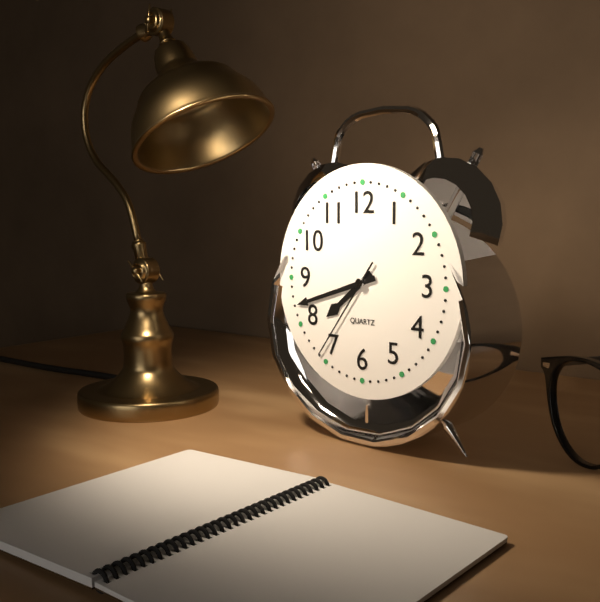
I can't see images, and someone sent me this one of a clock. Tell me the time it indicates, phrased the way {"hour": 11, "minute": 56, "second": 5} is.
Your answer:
{"hour": 7, "minute": 42, "second": 36}
